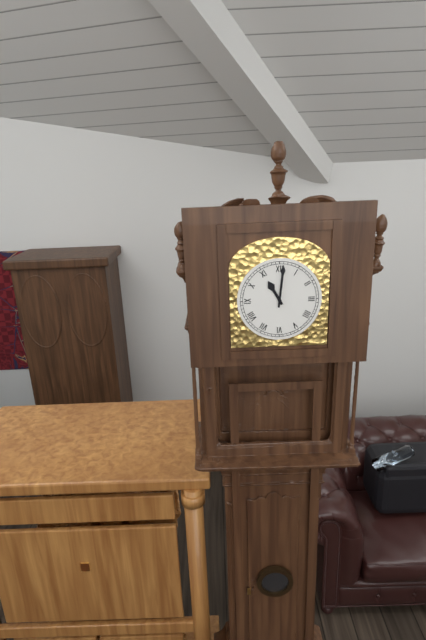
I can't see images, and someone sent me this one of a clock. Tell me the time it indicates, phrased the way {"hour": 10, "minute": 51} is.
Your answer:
{"hour": 11, "minute": 1}
